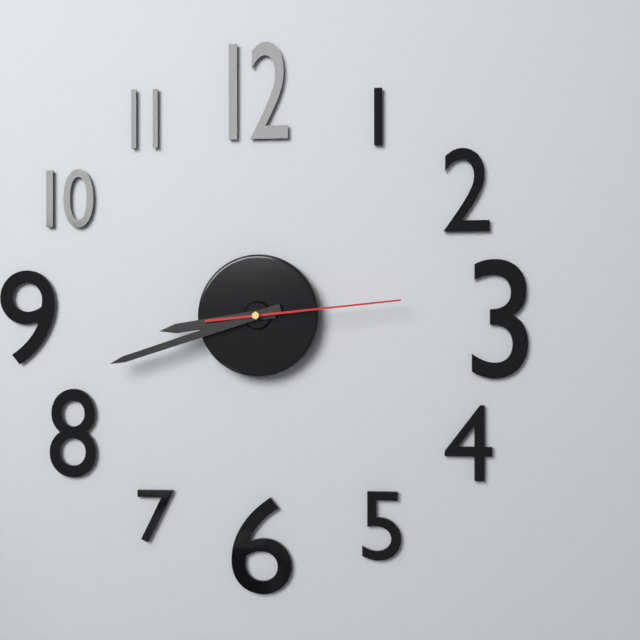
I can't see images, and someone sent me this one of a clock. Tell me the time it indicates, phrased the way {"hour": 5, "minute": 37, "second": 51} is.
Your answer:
{"hour": 8, "minute": 42, "second": 14}
